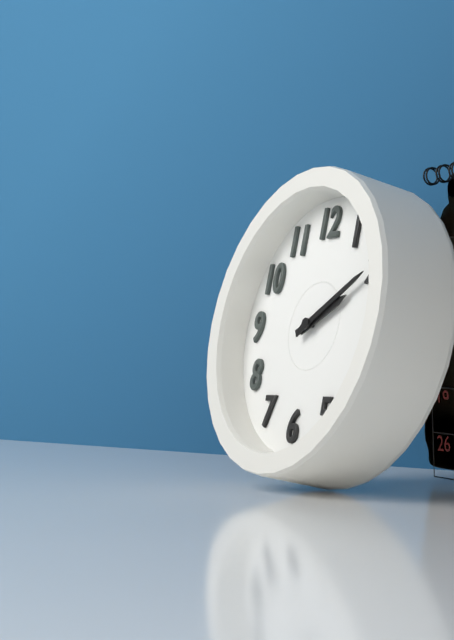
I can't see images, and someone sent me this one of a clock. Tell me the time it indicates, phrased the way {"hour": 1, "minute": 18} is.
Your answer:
{"hour": 2, "minute": 10}
